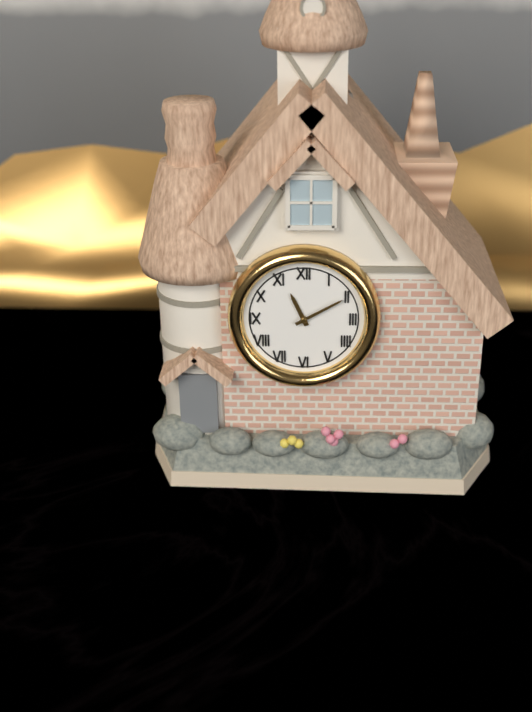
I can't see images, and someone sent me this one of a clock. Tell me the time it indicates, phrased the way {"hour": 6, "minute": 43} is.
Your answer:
{"hour": 11, "minute": 10}
